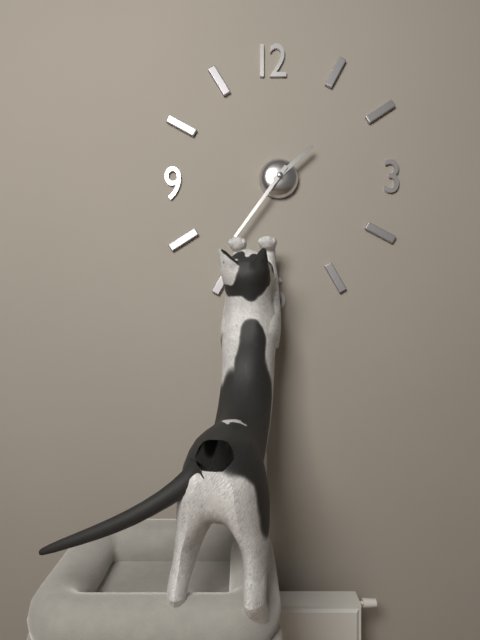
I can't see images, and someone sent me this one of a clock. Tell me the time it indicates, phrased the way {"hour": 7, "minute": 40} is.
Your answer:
{"hour": 1, "minute": 36}
